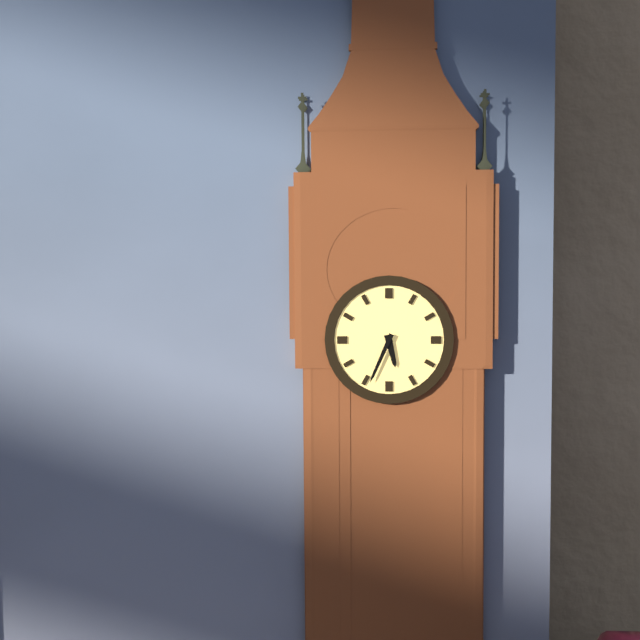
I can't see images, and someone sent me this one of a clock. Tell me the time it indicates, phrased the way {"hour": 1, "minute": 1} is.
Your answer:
{"hour": 5, "minute": 34}
